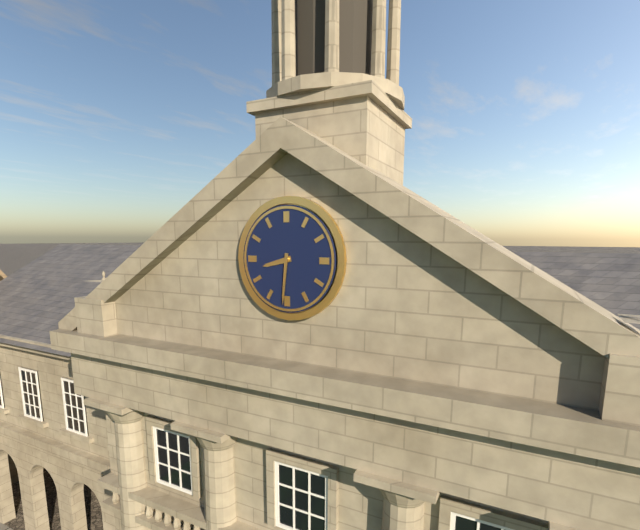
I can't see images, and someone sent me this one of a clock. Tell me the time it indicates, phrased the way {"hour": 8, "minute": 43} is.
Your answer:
{"hour": 8, "minute": 31}
